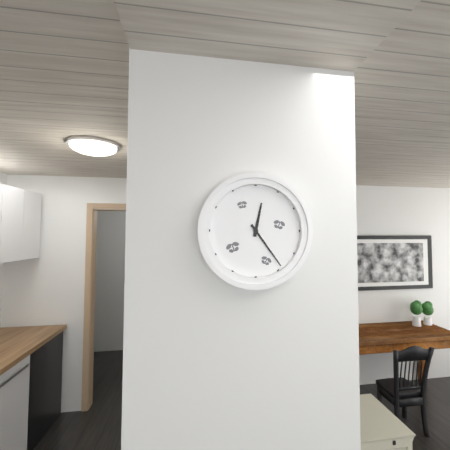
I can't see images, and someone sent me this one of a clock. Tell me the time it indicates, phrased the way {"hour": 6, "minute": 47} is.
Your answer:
{"hour": 12, "minute": 24}
